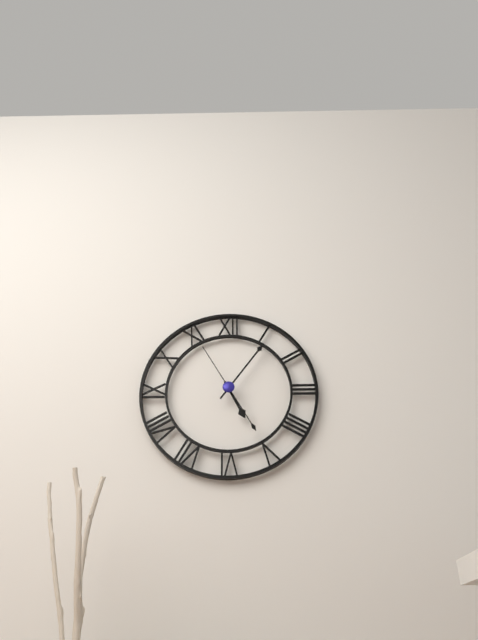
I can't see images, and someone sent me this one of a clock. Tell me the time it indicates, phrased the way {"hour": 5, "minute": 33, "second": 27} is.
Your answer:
{"hour": 5, "minute": 6, "second": 55}
